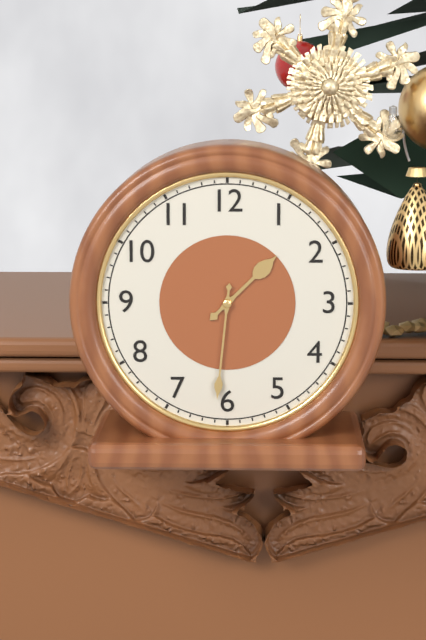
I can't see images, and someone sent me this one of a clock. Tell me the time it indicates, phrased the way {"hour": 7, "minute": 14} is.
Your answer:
{"hour": 1, "minute": 31}
